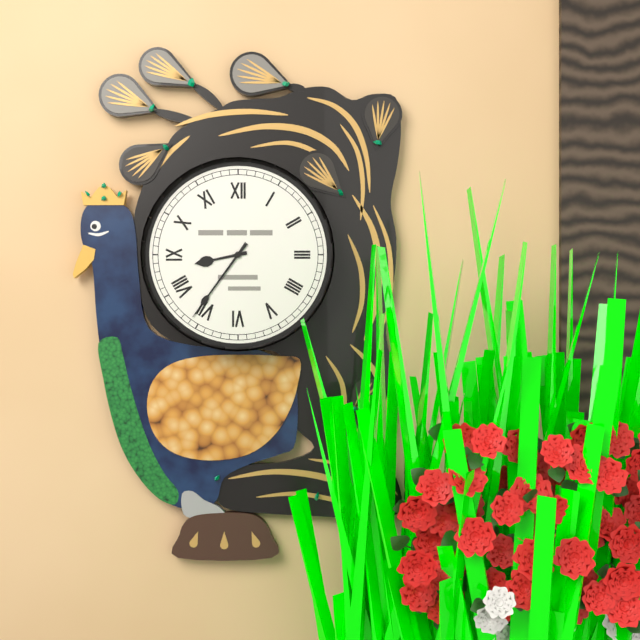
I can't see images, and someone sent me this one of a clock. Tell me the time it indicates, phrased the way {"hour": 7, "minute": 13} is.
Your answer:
{"hour": 8, "minute": 36}
